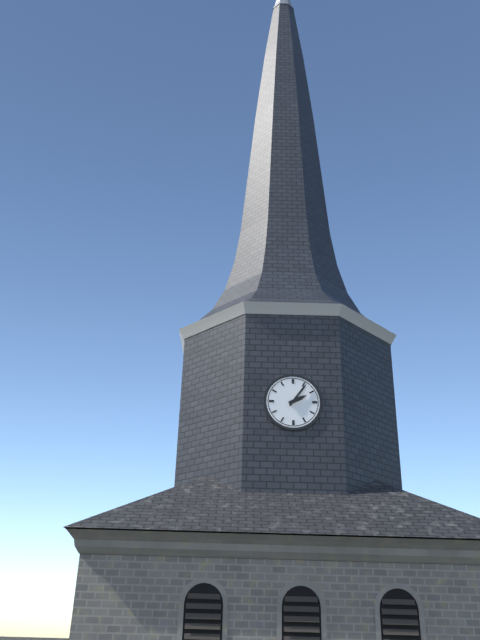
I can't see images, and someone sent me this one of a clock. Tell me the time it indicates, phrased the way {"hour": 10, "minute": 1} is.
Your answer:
{"hour": 2, "minute": 6}
